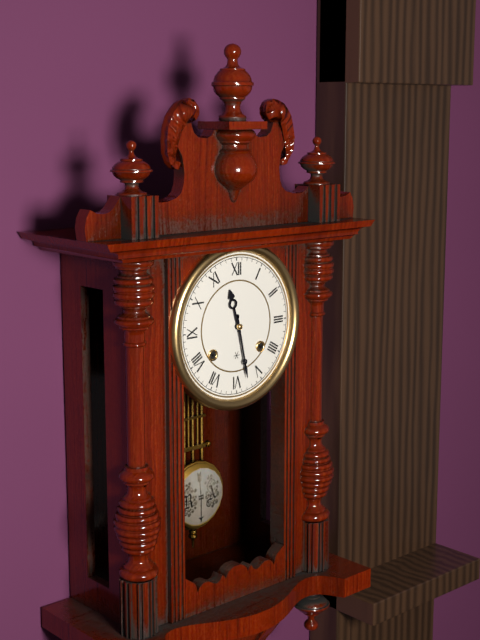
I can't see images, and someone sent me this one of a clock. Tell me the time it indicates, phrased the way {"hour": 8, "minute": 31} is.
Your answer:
{"hour": 11, "minute": 28}
